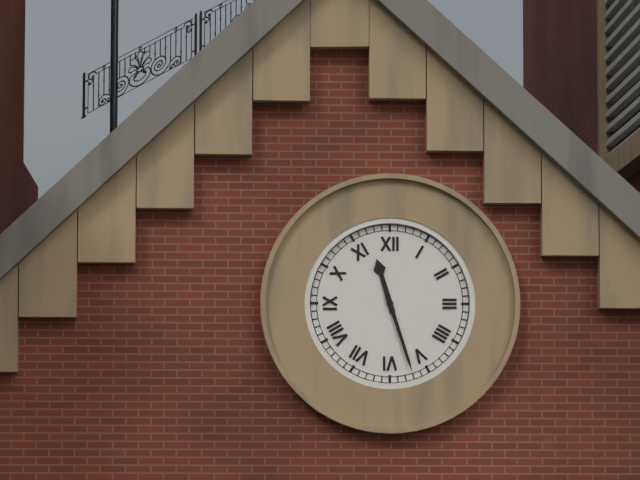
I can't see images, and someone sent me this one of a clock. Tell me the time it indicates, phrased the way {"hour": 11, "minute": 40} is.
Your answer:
{"hour": 11, "minute": 27}
